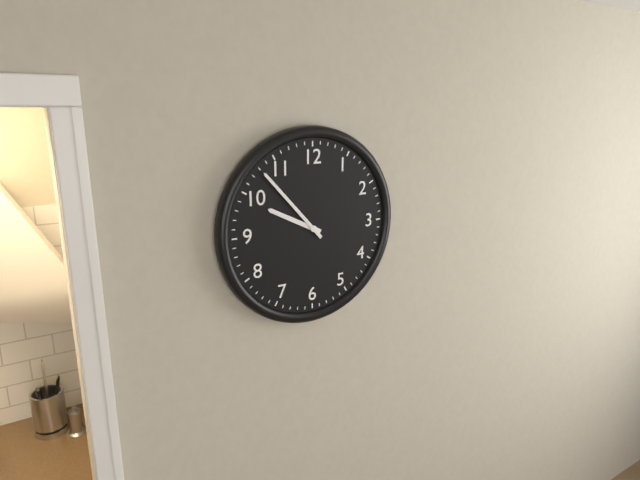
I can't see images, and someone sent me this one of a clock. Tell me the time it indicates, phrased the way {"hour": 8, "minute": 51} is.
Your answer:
{"hour": 9, "minute": 53}
